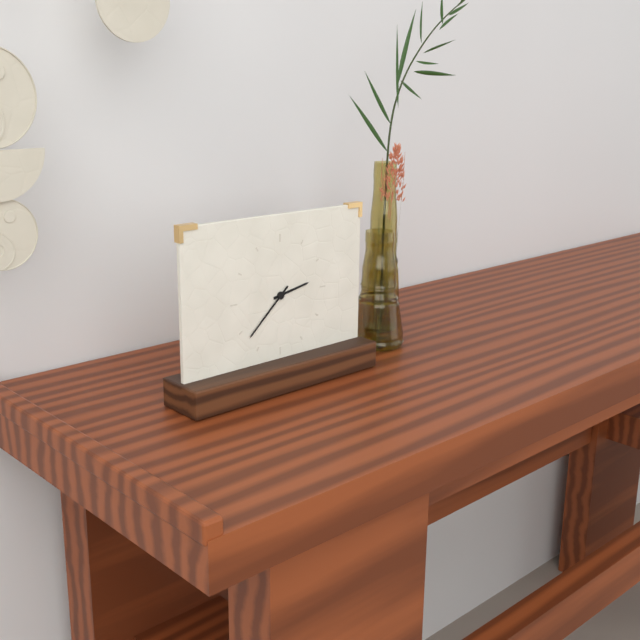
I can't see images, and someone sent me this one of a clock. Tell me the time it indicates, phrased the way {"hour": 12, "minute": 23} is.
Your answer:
{"hour": 2, "minute": 38}
